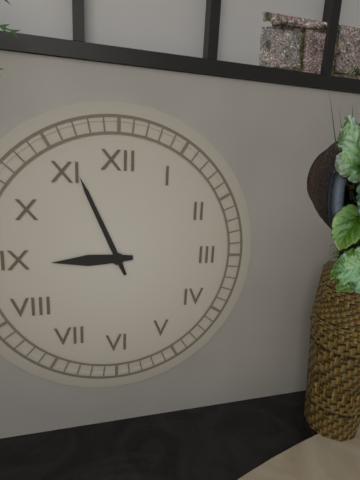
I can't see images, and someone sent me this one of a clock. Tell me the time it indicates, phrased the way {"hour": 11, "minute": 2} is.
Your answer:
{"hour": 8, "minute": 56}
